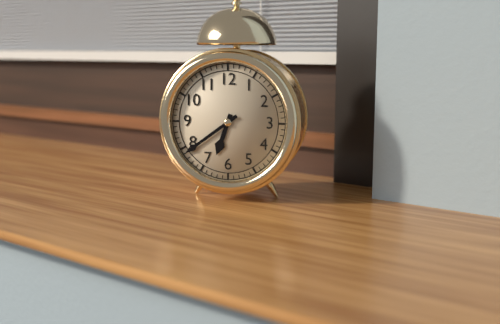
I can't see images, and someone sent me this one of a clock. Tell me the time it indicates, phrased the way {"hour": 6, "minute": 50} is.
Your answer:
{"hour": 6, "minute": 39}
